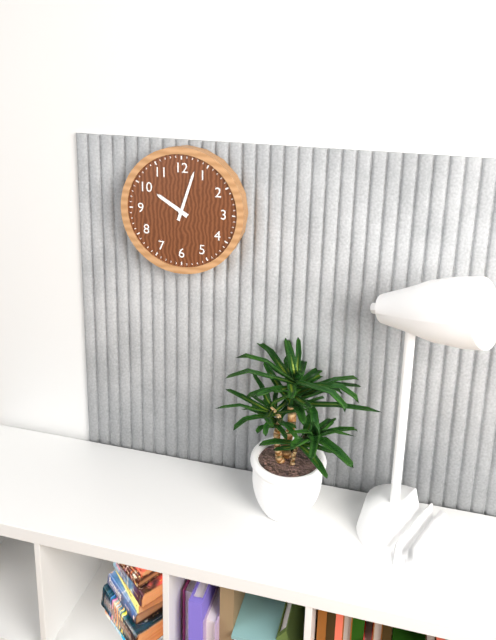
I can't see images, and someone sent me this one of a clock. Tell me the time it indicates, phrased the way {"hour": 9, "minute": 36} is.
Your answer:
{"hour": 10, "minute": 3}
